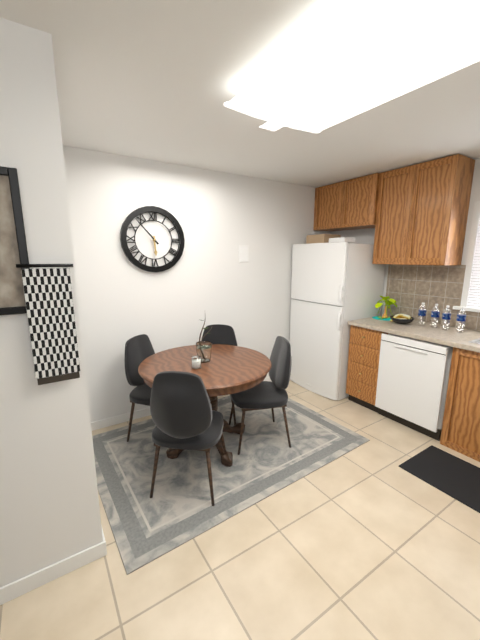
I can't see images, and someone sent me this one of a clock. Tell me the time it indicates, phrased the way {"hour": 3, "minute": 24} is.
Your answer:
{"hour": 5, "minute": 53}
